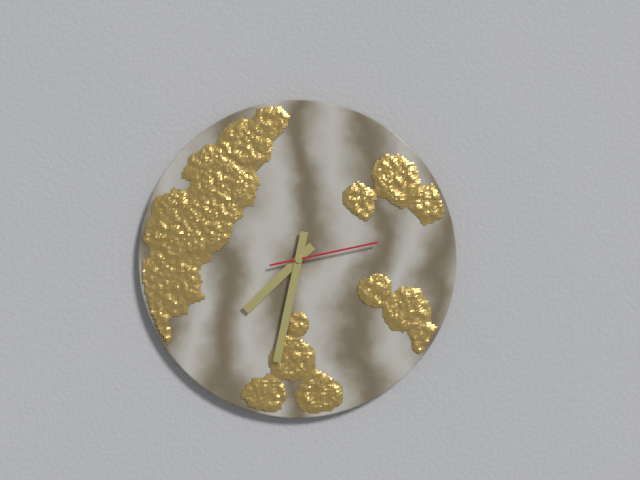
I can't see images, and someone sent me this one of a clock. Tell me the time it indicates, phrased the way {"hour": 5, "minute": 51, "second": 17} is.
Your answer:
{"hour": 7, "minute": 32, "second": 13}
